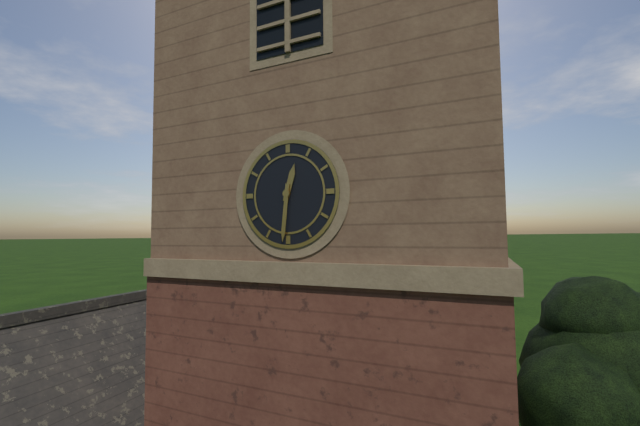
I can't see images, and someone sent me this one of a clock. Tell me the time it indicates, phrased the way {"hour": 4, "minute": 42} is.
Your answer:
{"hour": 12, "minute": 31}
